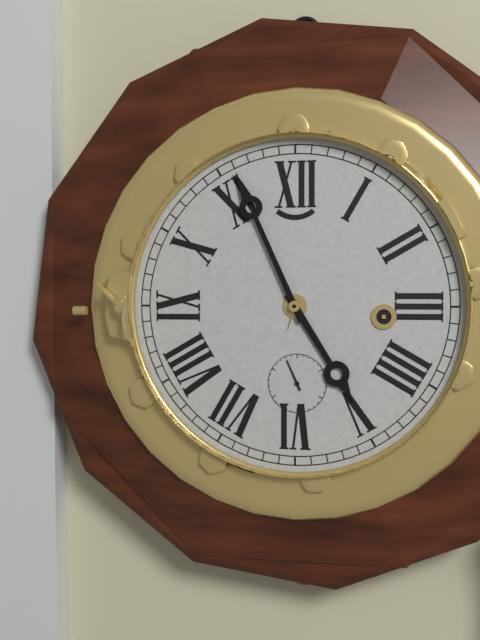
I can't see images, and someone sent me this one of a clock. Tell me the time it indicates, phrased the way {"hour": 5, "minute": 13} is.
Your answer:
{"hour": 4, "minute": 56}
